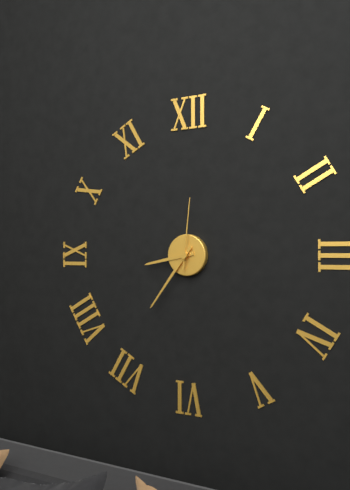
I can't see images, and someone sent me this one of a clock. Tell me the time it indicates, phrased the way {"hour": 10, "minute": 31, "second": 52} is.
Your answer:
{"hour": 8, "minute": 36, "second": 1}
